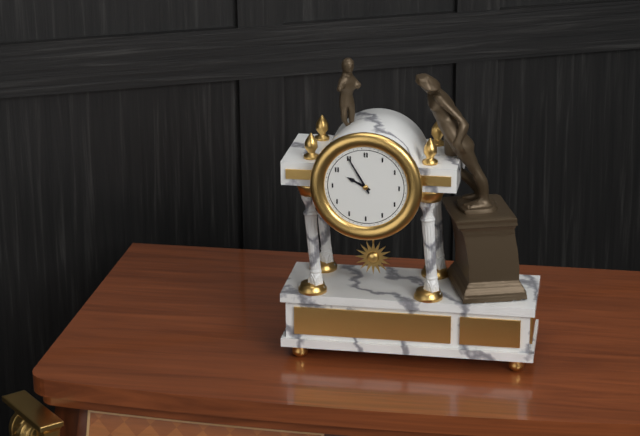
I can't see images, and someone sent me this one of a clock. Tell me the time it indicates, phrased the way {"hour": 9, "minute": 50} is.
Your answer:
{"hour": 9, "minute": 55}
